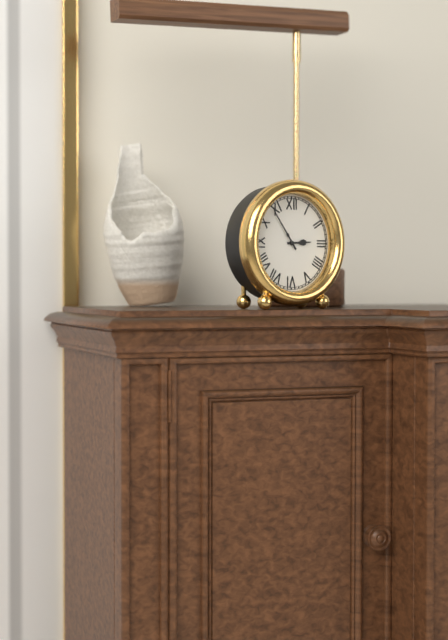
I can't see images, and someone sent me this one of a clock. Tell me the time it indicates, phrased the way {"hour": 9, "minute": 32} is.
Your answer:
{"hour": 2, "minute": 54}
